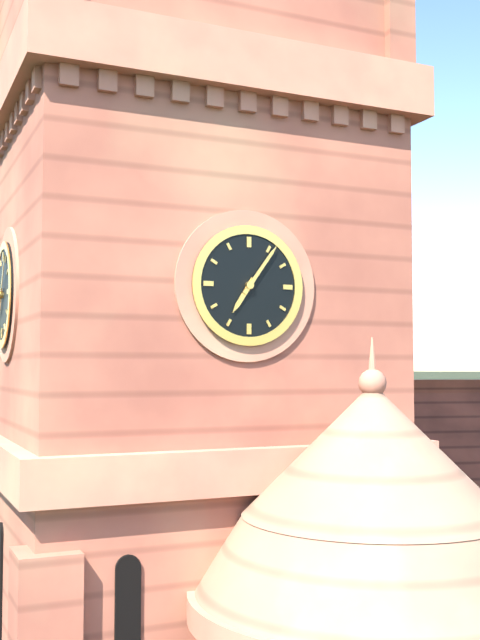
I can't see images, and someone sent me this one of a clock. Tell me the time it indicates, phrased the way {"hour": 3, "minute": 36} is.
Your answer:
{"hour": 7, "minute": 6}
